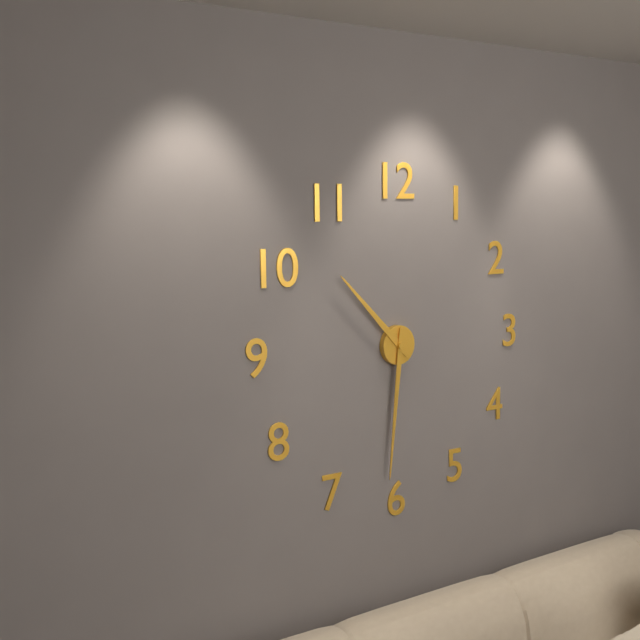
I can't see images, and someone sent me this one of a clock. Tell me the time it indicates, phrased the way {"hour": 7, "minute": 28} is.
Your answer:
{"hour": 10, "minute": 31}
